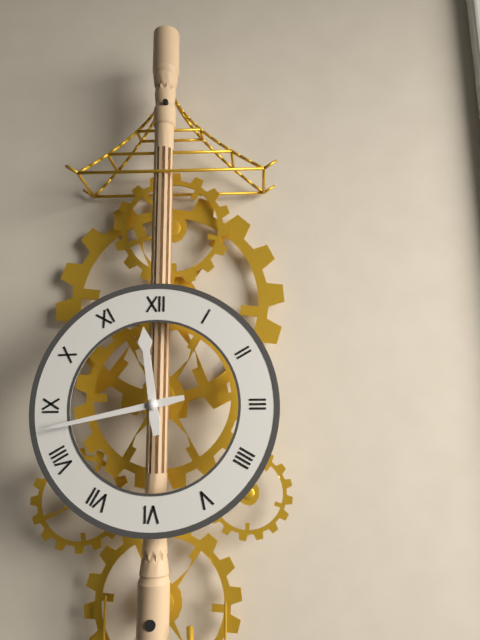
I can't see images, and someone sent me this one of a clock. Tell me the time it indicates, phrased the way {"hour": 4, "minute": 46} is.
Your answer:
{"hour": 11, "minute": 43}
